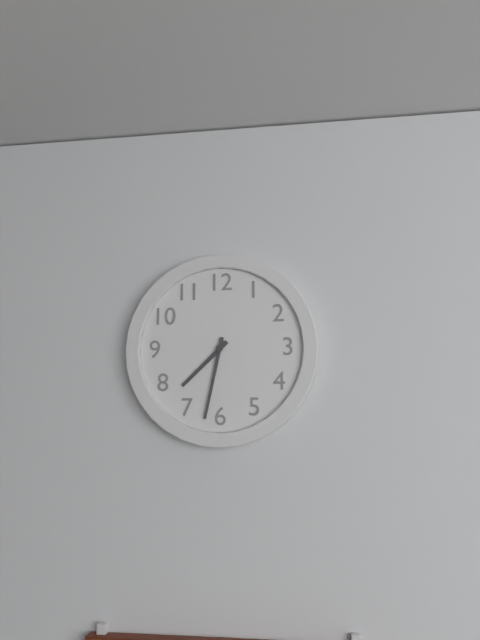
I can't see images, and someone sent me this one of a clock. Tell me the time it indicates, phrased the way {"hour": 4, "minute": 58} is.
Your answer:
{"hour": 7, "minute": 32}
